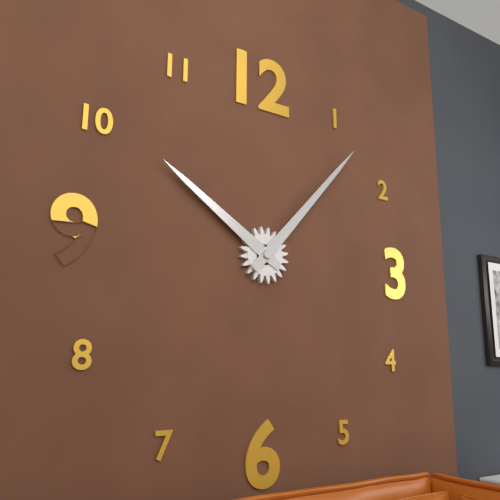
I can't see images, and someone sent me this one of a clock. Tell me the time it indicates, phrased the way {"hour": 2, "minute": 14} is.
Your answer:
{"hour": 10, "minute": 7}
